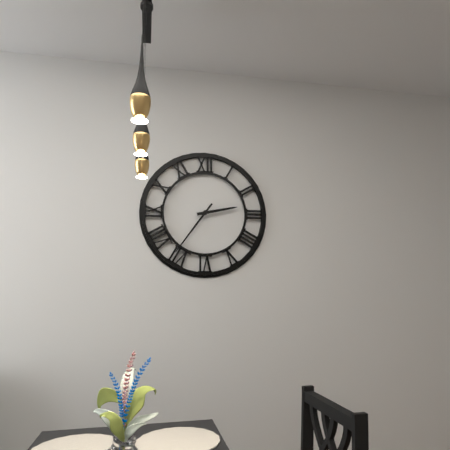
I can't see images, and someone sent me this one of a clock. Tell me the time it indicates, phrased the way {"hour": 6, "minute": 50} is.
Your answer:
{"hour": 2, "minute": 36}
